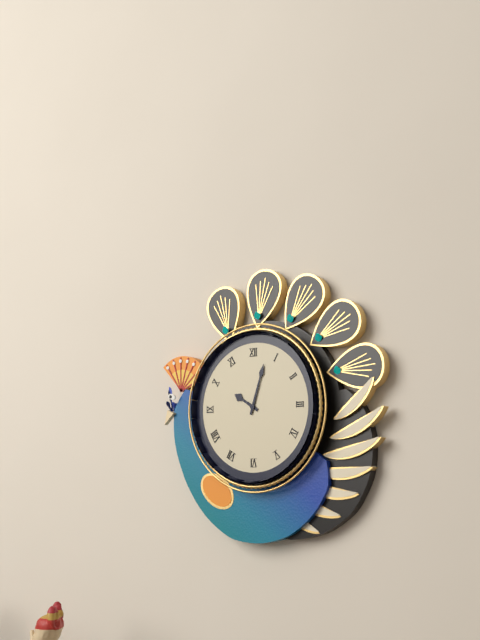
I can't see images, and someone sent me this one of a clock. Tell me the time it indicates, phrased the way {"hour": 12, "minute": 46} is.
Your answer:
{"hour": 10, "minute": 3}
